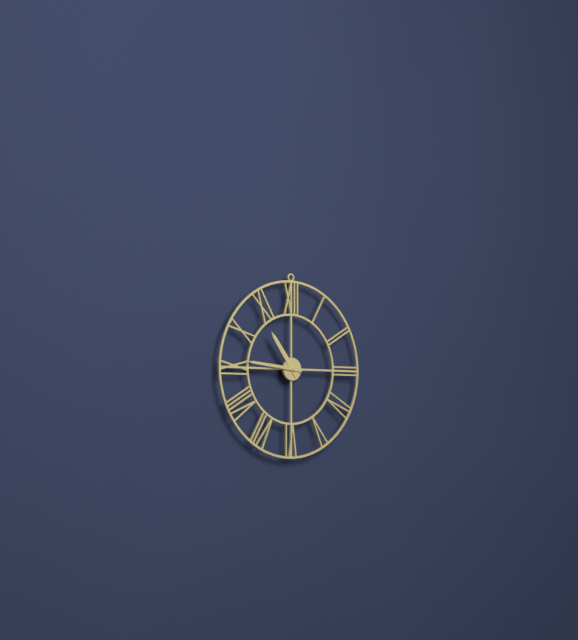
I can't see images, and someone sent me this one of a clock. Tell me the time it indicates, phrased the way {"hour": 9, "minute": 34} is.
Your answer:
{"hour": 10, "minute": 46}
